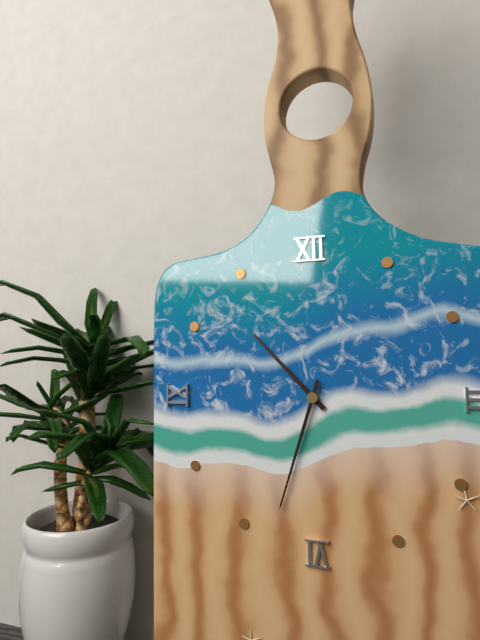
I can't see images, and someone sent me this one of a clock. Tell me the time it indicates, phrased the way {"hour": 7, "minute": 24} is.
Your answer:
{"hour": 10, "minute": 33}
